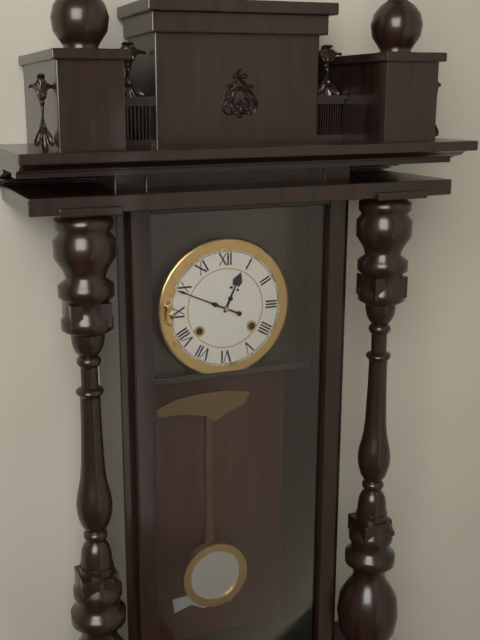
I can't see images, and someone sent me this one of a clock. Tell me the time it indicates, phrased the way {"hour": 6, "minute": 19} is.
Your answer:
{"hour": 12, "minute": 49}
